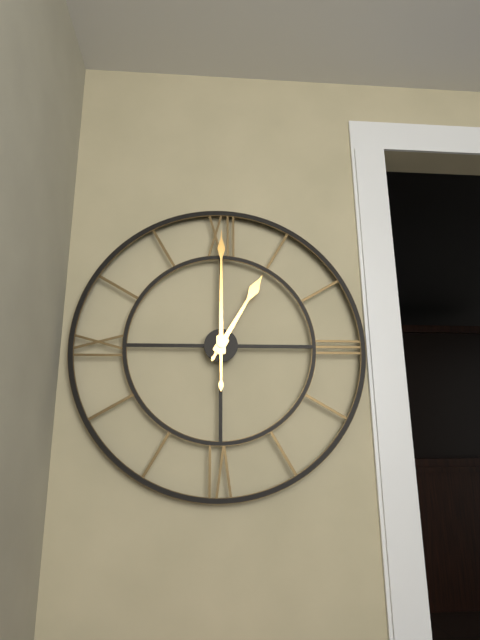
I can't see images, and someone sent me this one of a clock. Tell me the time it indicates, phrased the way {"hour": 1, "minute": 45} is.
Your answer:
{"hour": 1, "minute": 0}
